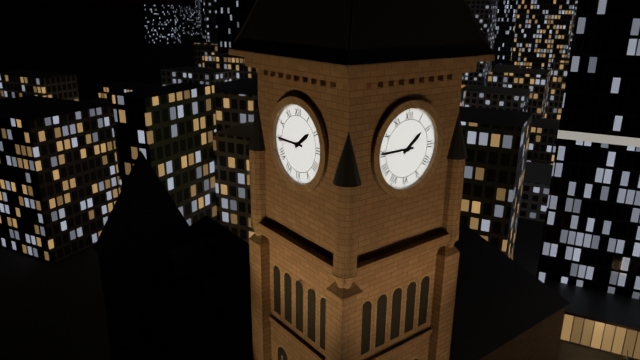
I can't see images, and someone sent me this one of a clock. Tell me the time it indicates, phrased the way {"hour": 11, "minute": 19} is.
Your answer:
{"hour": 1, "minute": 45}
